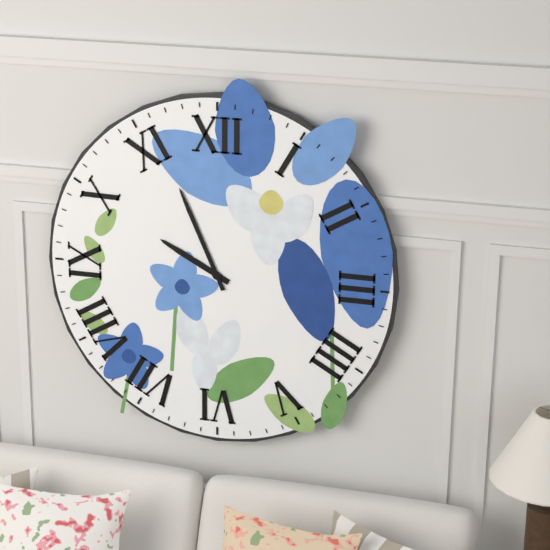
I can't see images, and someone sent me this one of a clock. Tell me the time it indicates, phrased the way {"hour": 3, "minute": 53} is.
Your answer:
{"hour": 9, "minute": 56}
